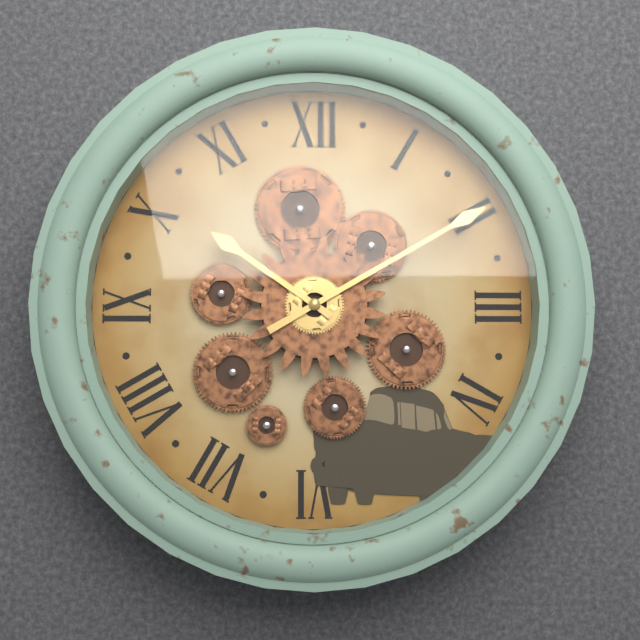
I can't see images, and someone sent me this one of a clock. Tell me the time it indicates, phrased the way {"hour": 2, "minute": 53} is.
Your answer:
{"hour": 10, "minute": 10}
